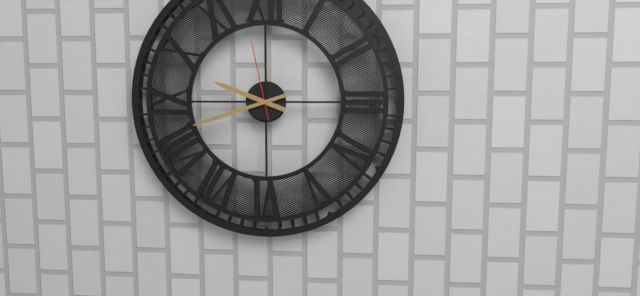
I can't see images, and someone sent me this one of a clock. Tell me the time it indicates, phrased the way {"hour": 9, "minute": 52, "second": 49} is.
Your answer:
{"hour": 9, "minute": 42, "second": 58}
